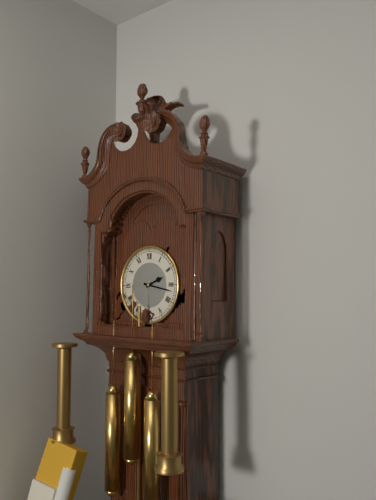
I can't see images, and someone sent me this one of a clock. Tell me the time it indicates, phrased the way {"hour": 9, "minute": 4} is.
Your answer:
{"hour": 2, "minute": 17}
